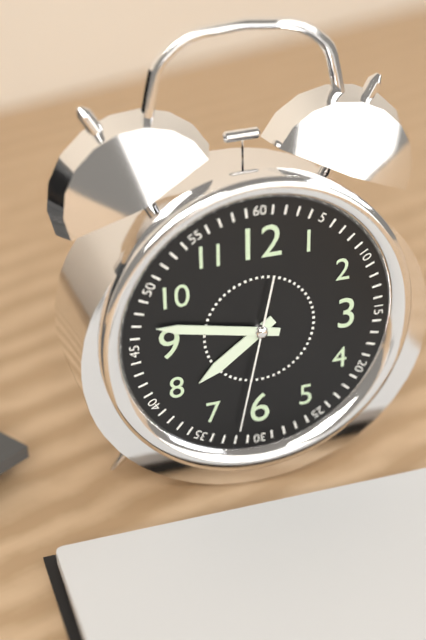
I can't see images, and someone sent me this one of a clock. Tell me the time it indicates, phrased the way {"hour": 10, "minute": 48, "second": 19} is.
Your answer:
{"hour": 7, "minute": 47, "second": 32}
